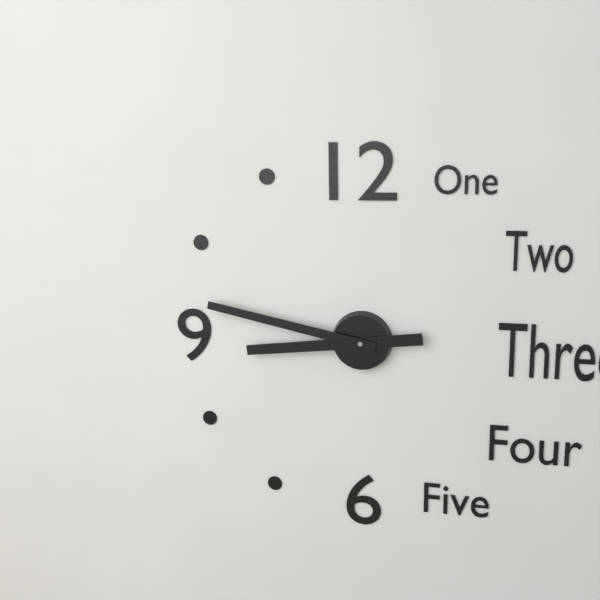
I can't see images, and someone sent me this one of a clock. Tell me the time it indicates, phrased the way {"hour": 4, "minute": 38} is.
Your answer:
{"hour": 8, "minute": 47}
